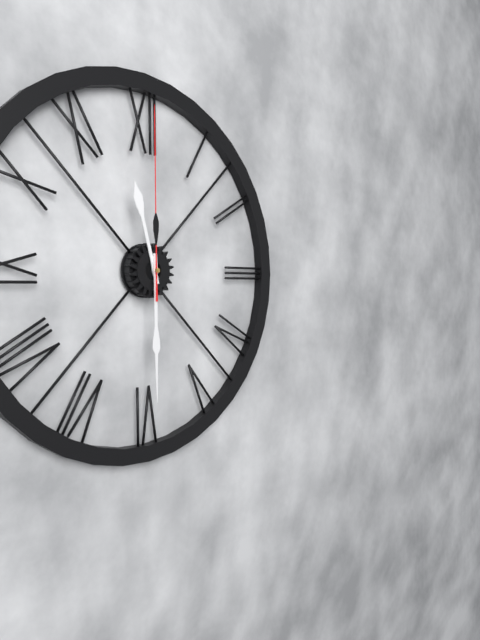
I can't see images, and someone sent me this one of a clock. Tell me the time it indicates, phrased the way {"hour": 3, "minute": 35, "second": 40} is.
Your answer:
{"hour": 11, "minute": 30, "second": 0}
